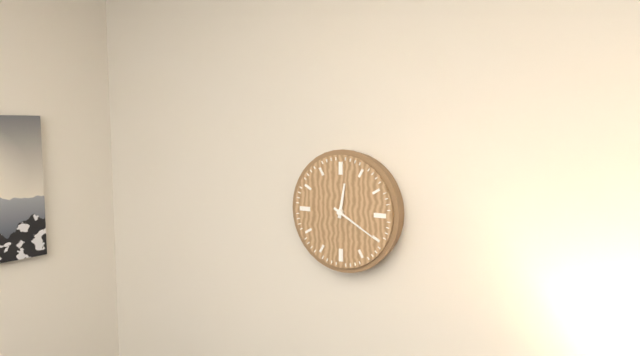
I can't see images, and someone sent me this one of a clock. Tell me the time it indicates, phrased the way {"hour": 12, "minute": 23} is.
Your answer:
{"hour": 12, "minute": 20}
